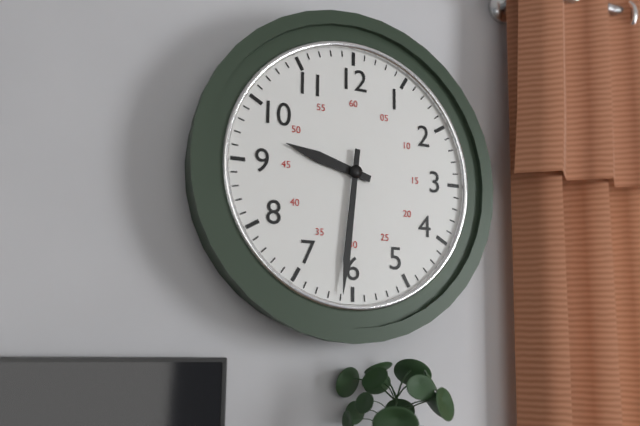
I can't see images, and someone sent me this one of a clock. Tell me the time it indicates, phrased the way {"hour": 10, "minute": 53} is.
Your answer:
{"hour": 9, "minute": 31}
